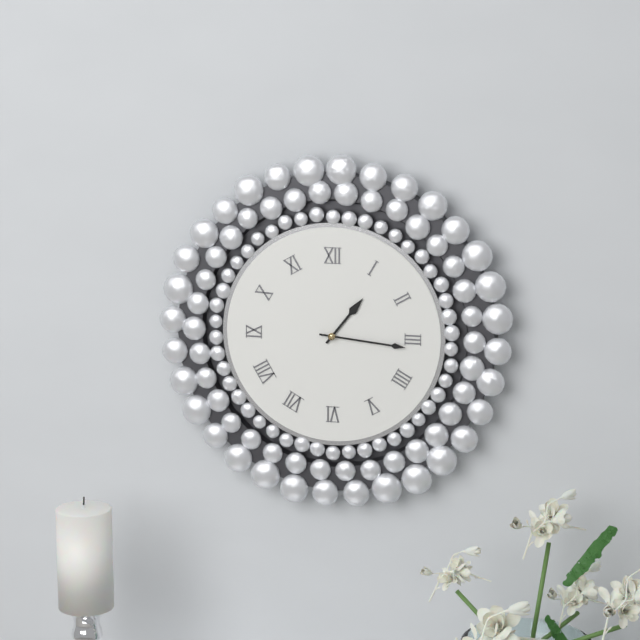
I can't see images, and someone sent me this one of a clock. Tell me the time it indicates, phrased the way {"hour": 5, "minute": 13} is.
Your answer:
{"hour": 1, "minute": 16}
